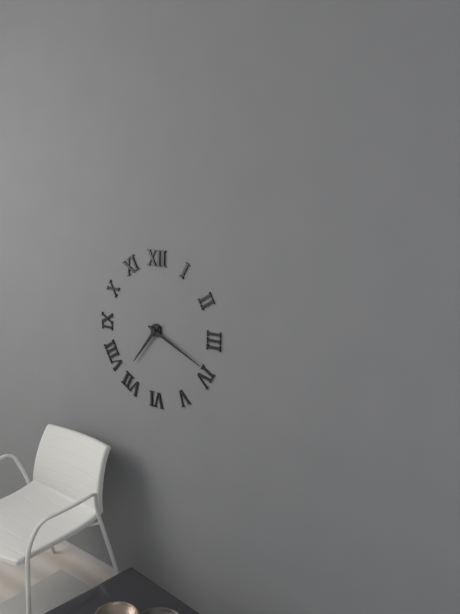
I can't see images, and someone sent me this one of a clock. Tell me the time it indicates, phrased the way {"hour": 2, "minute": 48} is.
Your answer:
{"hour": 7, "minute": 19}
